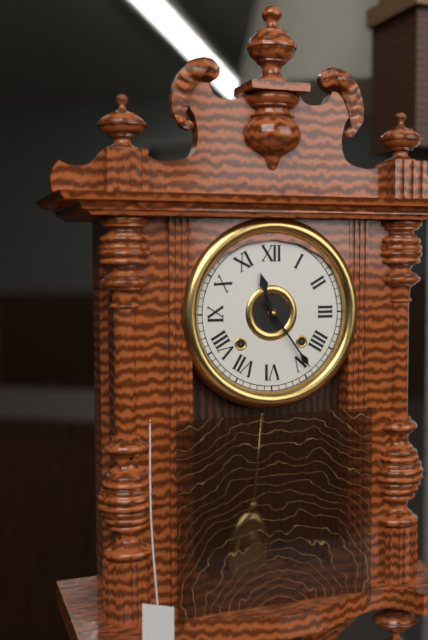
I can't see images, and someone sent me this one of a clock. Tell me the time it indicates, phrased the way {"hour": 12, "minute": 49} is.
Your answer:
{"hour": 11, "minute": 24}
